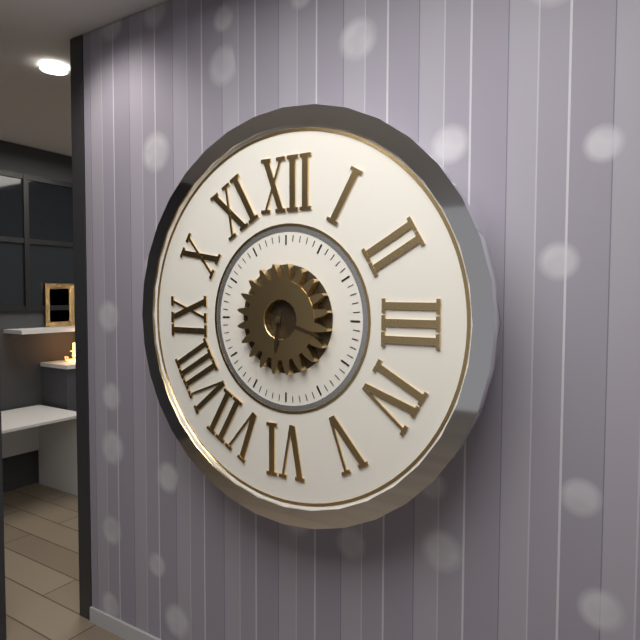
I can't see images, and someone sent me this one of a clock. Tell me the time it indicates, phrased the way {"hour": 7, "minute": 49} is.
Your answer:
{"hour": 6, "minute": 18}
